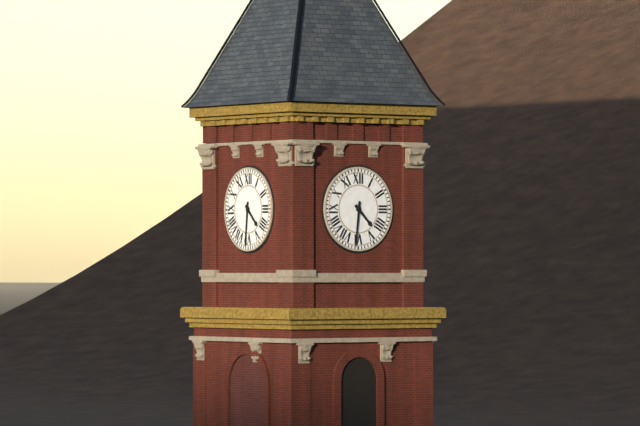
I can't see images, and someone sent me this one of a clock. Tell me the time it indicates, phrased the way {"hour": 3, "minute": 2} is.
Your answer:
{"hour": 4, "minute": 31}
